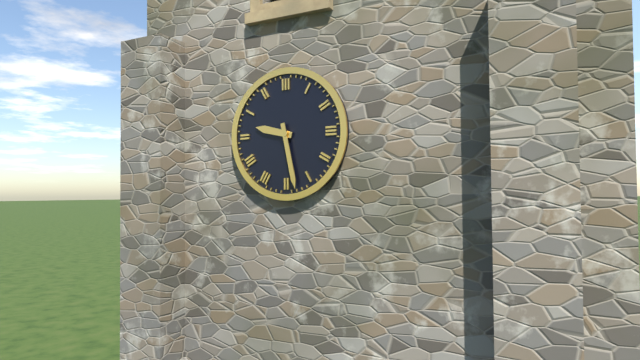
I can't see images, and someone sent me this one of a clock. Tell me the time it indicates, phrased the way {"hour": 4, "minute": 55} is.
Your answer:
{"hour": 9, "minute": 28}
